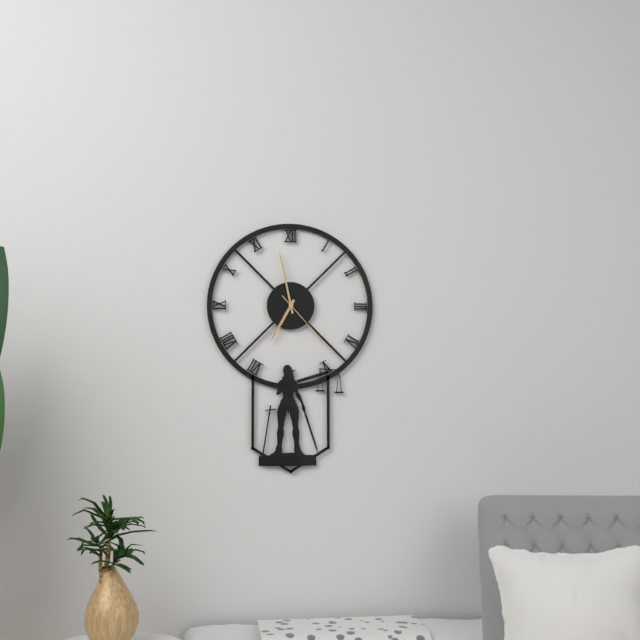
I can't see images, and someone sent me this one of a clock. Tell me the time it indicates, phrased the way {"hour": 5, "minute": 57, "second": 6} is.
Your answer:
{"hour": 6, "minute": 58, "second": 23}
